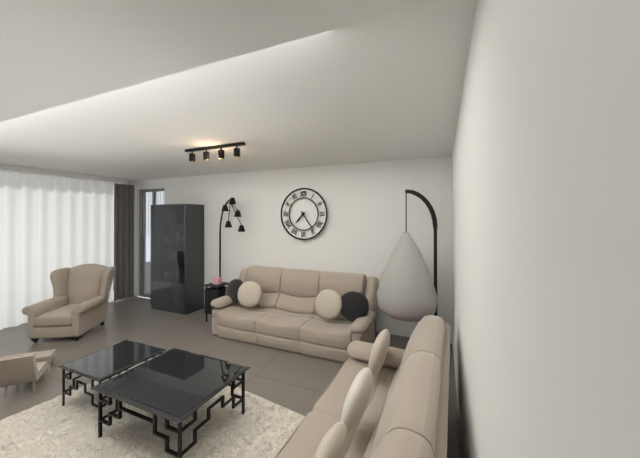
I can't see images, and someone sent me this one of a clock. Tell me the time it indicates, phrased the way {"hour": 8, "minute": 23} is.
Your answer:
{"hour": 7, "minute": 24}
